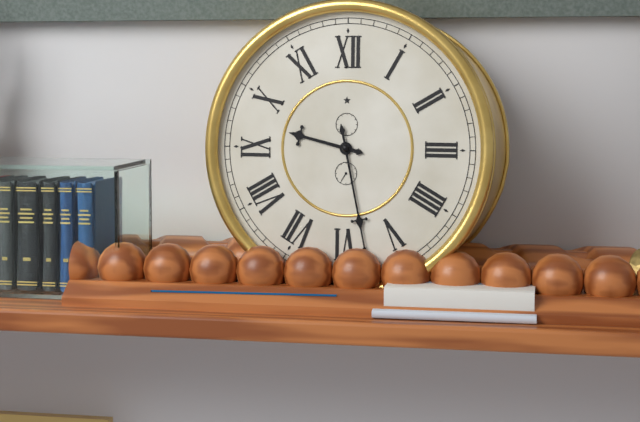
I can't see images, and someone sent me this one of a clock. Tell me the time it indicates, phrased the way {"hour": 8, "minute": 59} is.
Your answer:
{"hour": 9, "minute": 28}
